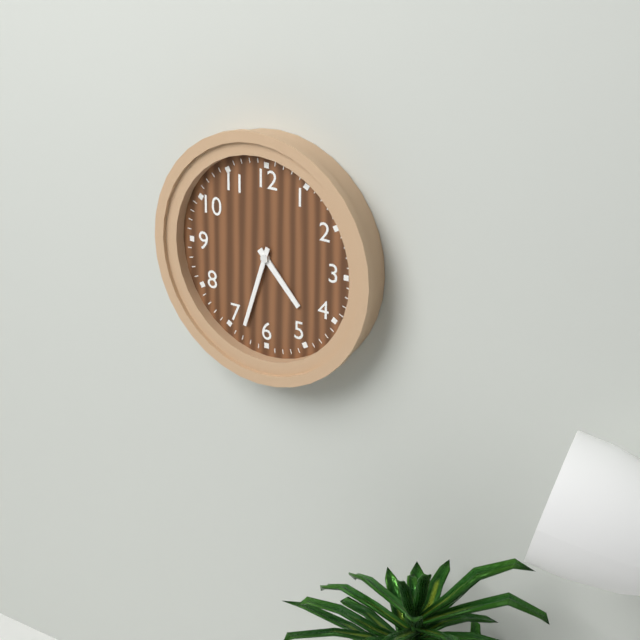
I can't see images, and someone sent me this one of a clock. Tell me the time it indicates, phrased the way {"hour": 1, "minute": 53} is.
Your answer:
{"hour": 4, "minute": 33}
